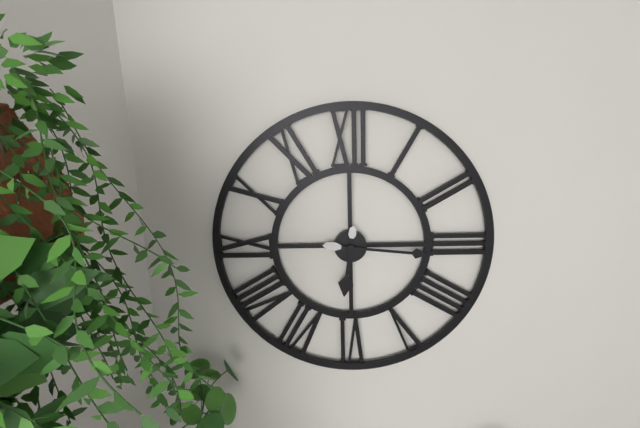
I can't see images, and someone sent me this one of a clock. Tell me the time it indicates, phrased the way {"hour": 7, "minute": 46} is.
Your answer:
{"hour": 6, "minute": 16}
